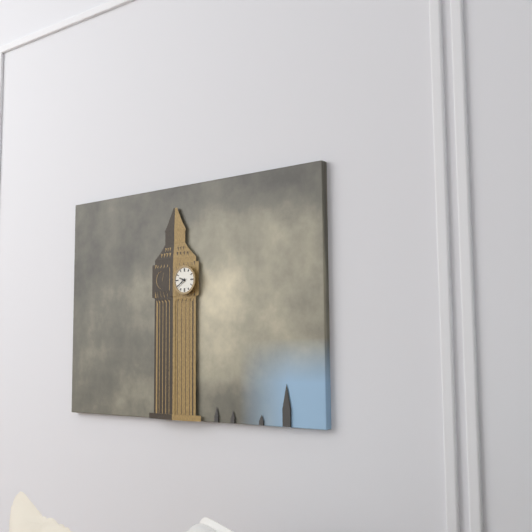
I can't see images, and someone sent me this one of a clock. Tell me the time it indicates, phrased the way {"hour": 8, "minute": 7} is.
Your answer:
{"hour": 9, "minute": 39}
